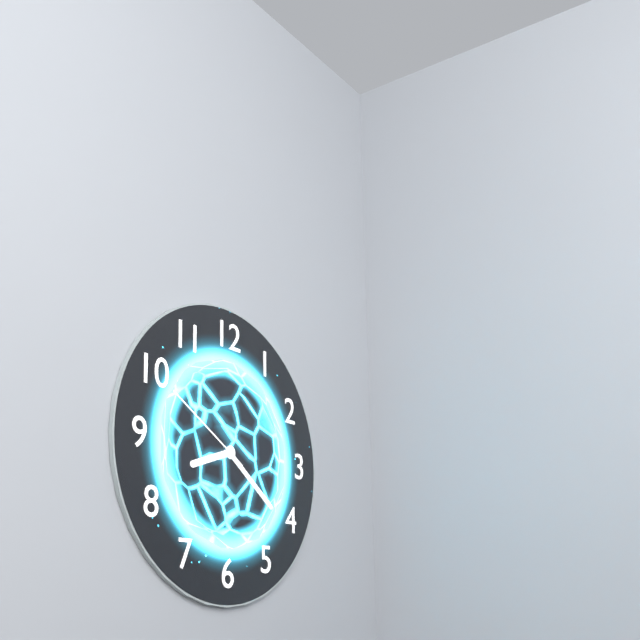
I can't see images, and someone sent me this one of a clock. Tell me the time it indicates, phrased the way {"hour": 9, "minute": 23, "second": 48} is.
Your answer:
{"hour": 8, "minute": 21, "second": 50}
